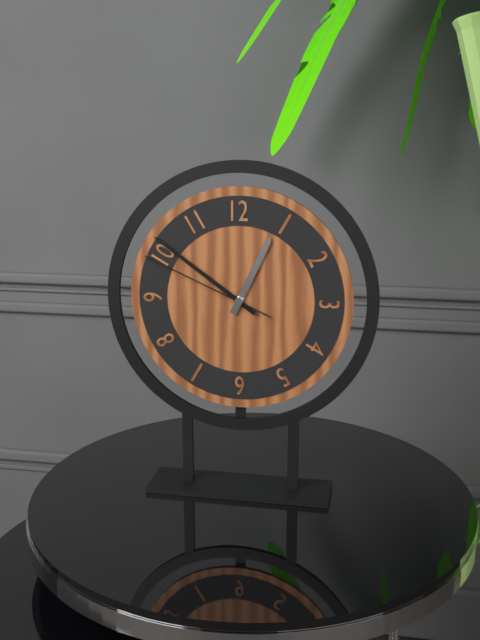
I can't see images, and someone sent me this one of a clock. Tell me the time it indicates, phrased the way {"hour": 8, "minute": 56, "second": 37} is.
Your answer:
{"hour": 12, "minute": 51, "second": 49}
